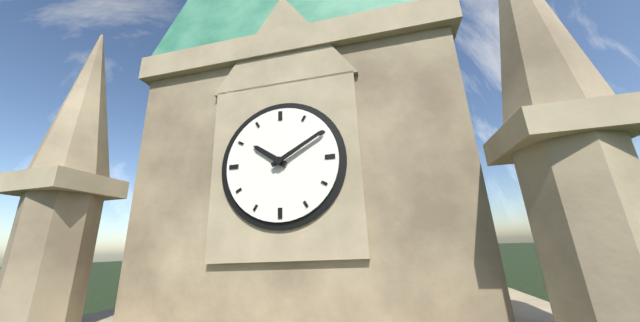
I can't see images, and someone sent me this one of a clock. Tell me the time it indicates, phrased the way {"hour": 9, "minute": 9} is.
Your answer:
{"hour": 10, "minute": 10}
